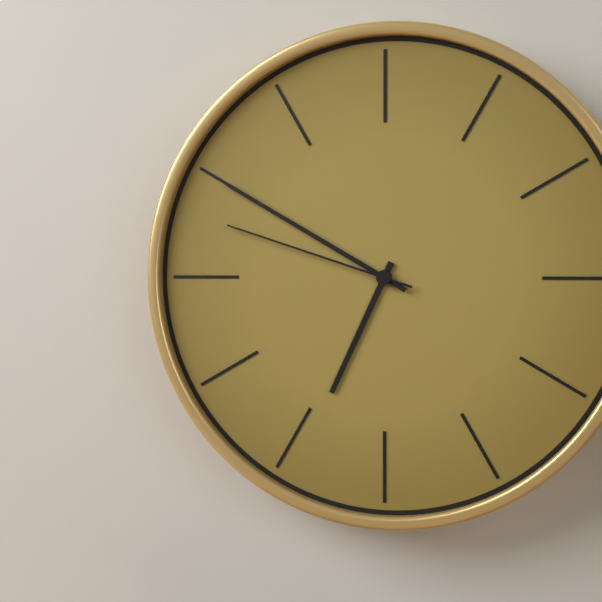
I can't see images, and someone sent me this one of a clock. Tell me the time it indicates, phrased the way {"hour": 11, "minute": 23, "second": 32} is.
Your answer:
{"hour": 6, "minute": 50, "second": 48}
